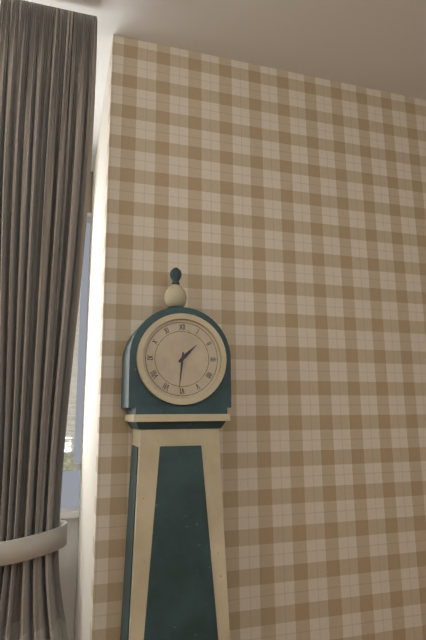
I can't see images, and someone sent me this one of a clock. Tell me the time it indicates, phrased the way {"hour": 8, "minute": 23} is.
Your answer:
{"hour": 1, "minute": 31}
